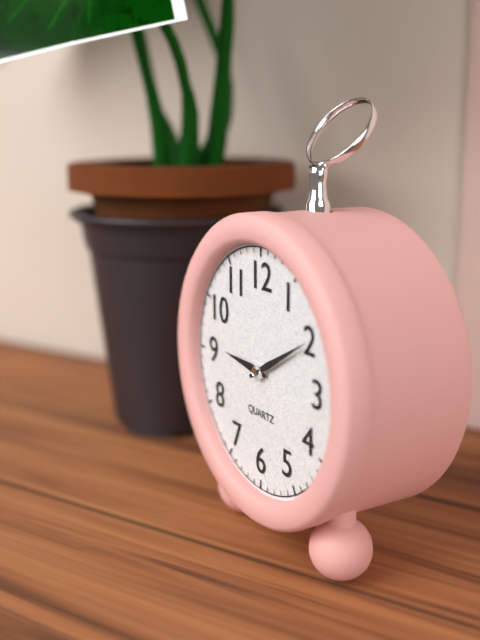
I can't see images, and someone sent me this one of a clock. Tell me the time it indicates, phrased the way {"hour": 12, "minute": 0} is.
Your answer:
{"hour": 9, "minute": 10}
